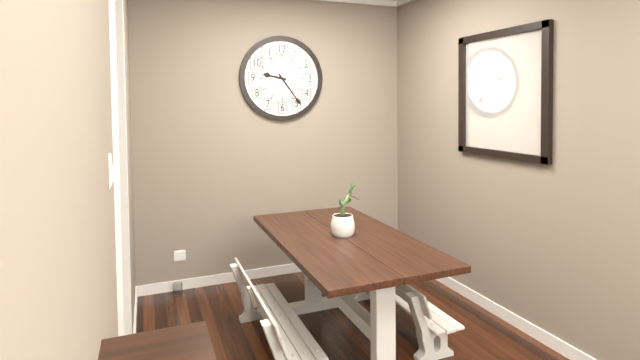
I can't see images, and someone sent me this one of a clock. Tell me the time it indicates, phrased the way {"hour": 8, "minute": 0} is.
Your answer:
{"hour": 9, "minute": 24}
